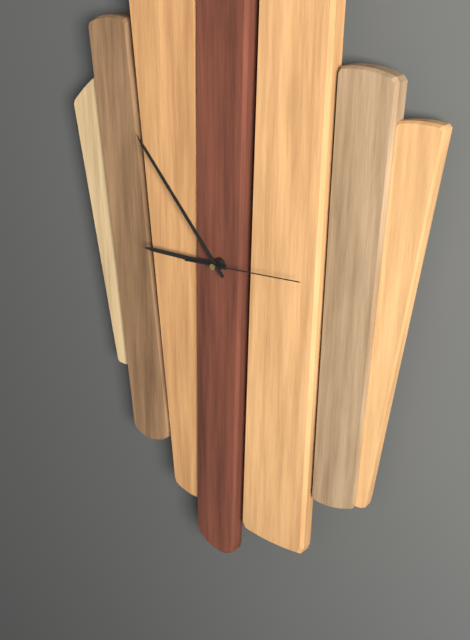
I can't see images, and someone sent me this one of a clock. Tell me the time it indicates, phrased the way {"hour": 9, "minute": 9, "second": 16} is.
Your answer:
{"hour": 8, "minute": 53, "second": 14}
